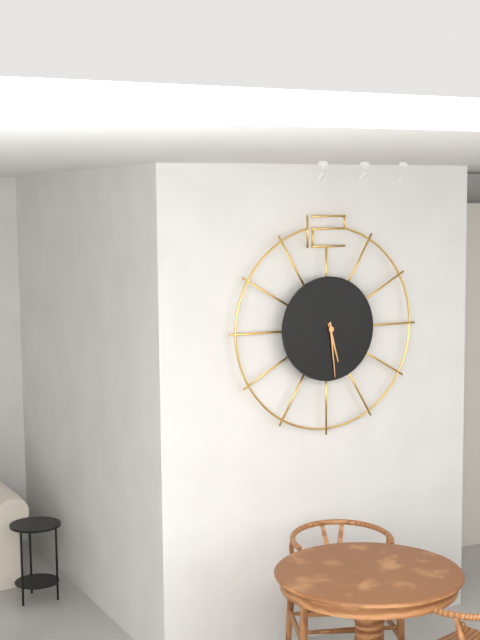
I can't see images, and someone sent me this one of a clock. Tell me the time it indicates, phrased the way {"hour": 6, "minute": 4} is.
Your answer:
{"hour": 5, "minute": 29}
